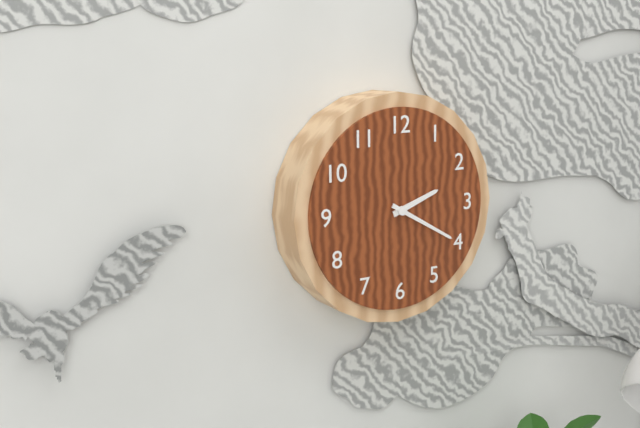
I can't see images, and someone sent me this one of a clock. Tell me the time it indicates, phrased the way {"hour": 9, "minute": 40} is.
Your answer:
{"hour": 2, "minute": 20}
